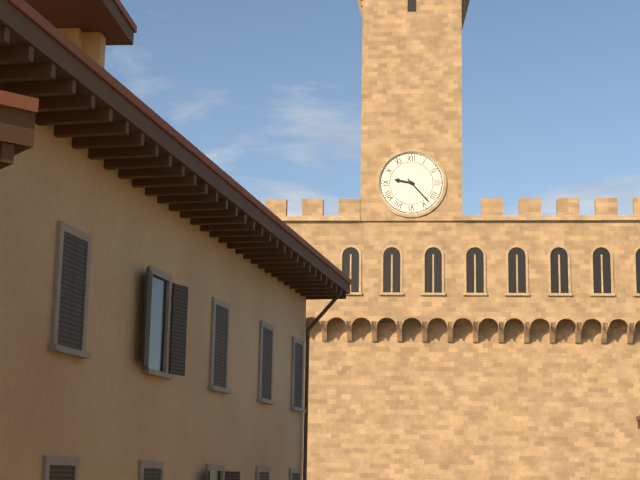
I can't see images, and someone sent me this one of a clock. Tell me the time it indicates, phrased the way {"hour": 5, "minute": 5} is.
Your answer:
{"hour": 9, "minute": 23}
